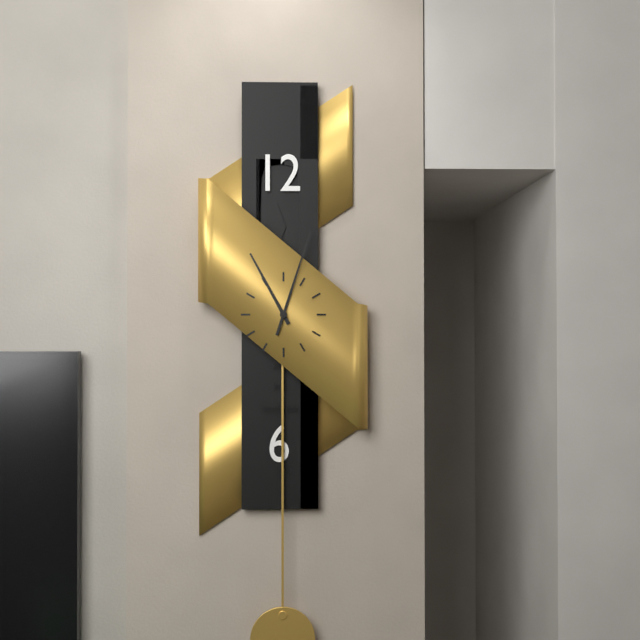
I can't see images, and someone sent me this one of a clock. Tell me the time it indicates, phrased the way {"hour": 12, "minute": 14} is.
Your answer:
{"hour": 11, "minute": 3}
